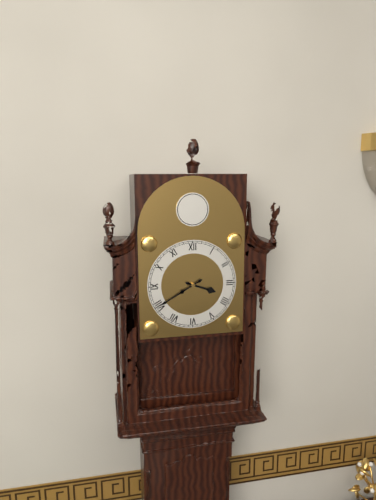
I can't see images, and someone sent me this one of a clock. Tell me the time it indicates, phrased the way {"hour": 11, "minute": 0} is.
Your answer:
{"hour": 3, "minute": 40}
